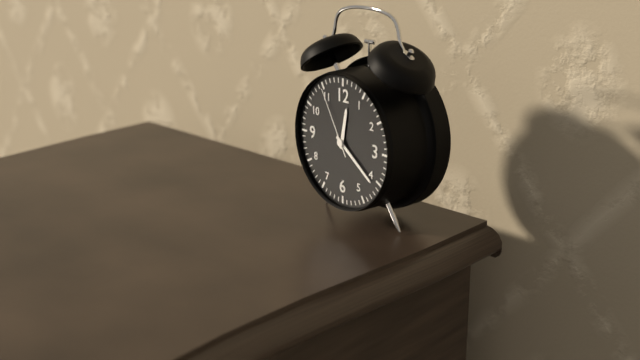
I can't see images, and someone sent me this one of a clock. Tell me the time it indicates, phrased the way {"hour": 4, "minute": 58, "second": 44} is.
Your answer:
{"hour": 12, "minute": 21, "second": 55}
